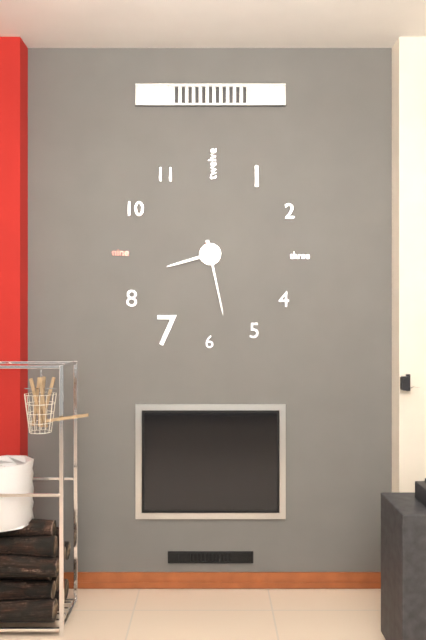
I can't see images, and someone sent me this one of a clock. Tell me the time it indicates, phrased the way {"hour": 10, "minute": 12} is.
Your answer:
{"hour": 8, "minute": 28}
